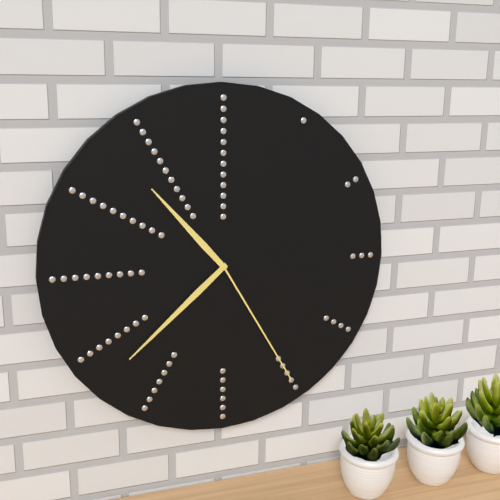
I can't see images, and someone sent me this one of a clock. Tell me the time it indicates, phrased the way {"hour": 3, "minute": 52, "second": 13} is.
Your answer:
{"hour": 10, "minute": 38, "second": 25}
